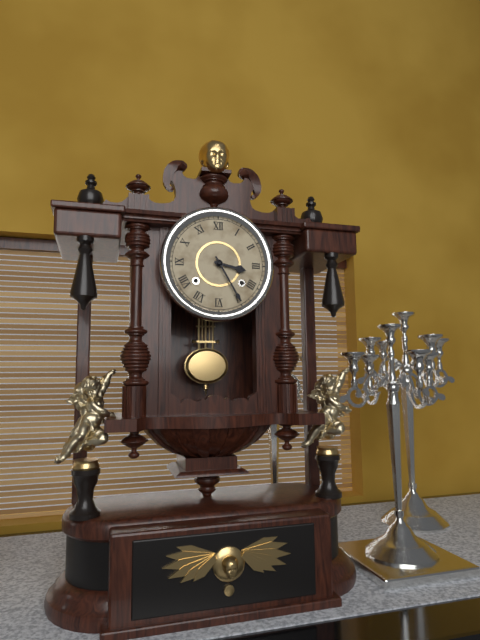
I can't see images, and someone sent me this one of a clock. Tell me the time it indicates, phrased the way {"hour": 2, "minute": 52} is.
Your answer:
{"hour": 3, "minute": 25}
